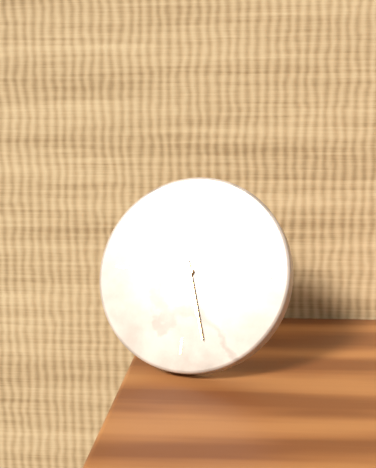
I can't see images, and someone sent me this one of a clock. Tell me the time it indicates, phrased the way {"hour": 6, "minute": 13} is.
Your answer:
{"hour": 5, "minute": 27}
